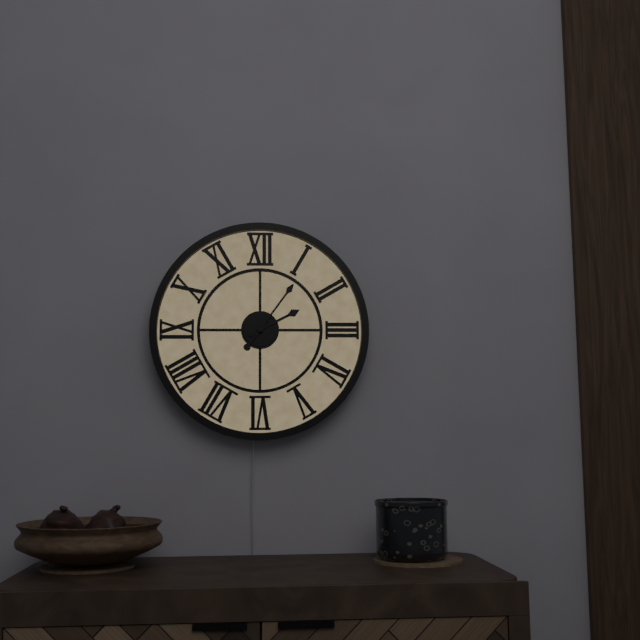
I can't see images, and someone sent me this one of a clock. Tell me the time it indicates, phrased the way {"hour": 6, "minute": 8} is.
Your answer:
{"hour": 2, "minute": 6}
